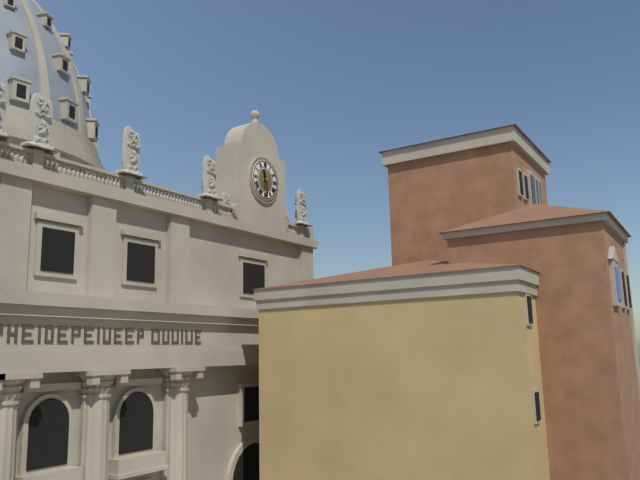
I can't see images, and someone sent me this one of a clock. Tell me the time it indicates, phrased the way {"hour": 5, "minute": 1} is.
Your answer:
{"hour": 11, "minute": 29}
